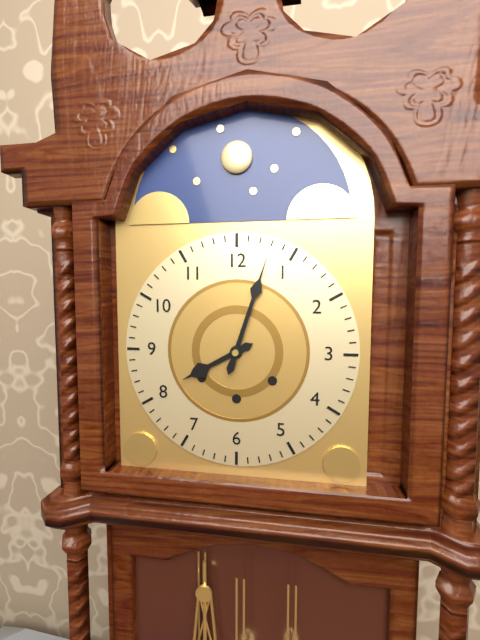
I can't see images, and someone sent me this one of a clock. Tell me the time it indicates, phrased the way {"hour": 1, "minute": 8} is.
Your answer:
{"hour": 8, "minute": 3}
